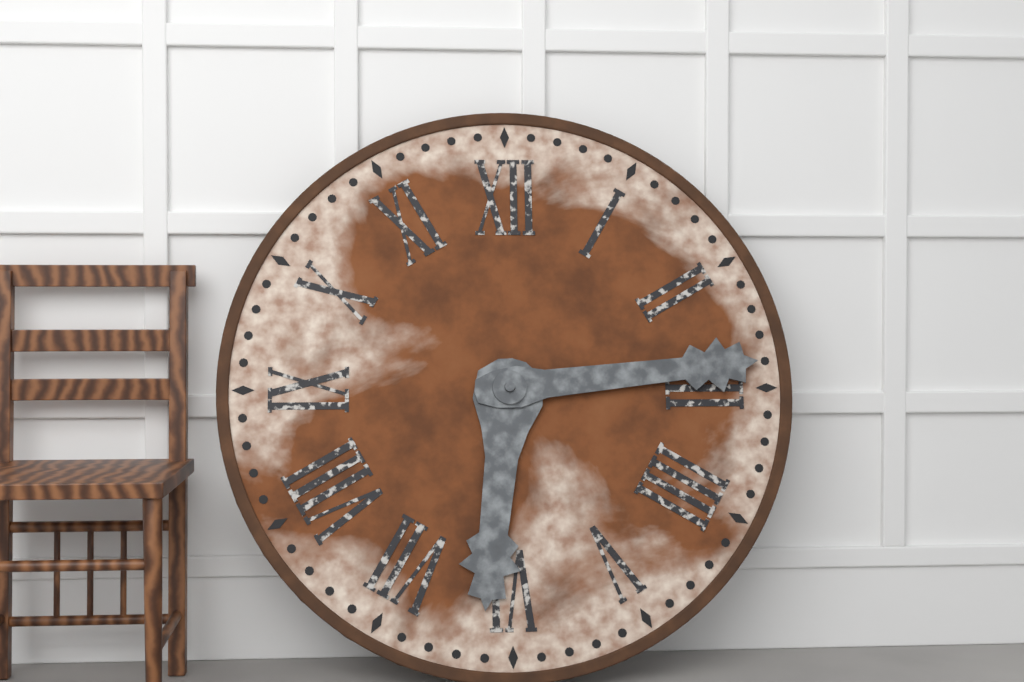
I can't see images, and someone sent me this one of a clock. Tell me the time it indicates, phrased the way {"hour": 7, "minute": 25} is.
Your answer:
{"hour": 6, "minute": 14}
